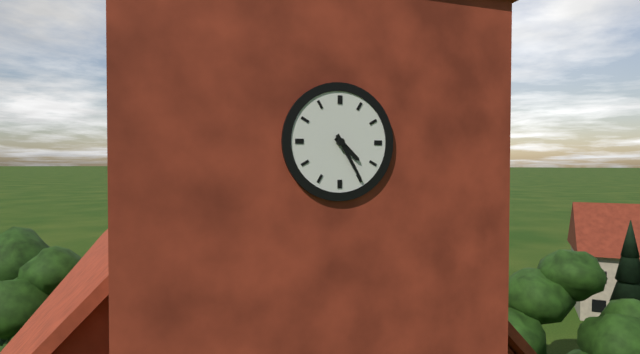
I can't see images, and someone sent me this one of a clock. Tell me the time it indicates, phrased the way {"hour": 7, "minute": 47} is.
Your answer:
{"hour": 4, "minute": 25}
